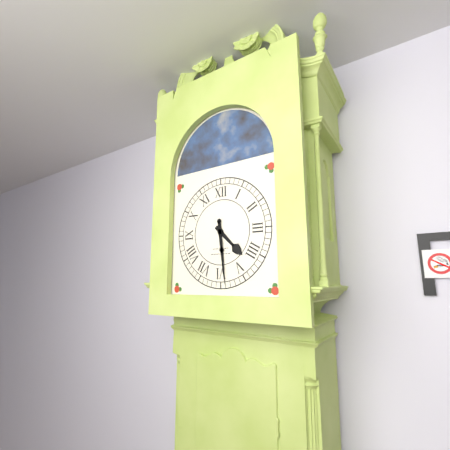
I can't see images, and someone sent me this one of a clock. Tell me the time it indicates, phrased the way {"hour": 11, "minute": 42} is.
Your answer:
{"hour": 4, "minute": 29}
